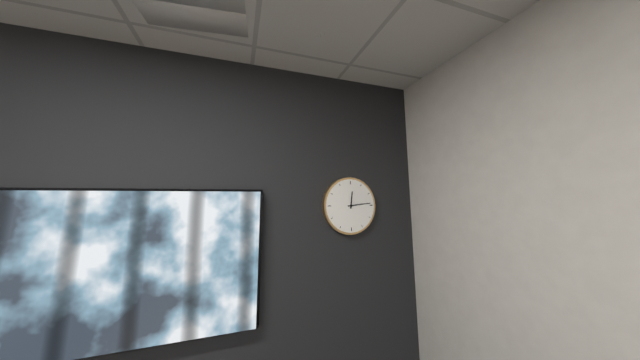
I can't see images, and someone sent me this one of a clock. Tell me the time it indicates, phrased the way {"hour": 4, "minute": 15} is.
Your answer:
{"hour": 12, "minute": 14}
